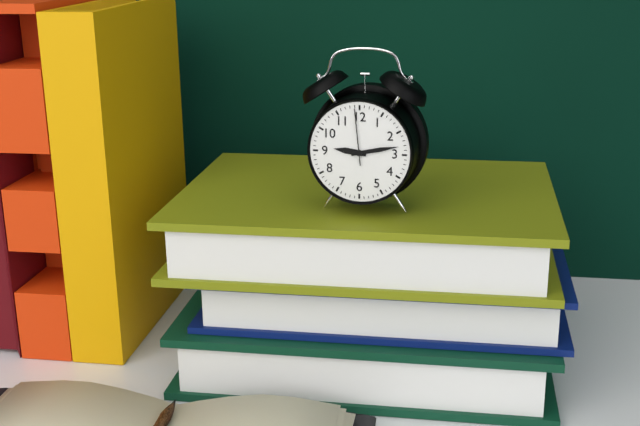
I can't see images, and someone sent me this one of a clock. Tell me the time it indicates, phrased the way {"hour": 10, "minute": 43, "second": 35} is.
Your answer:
{"hour": 9, "minute": 13, "second": 59}
